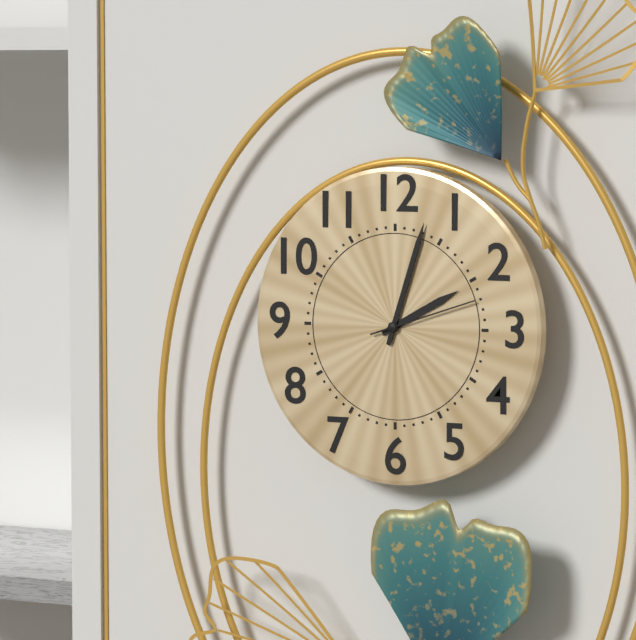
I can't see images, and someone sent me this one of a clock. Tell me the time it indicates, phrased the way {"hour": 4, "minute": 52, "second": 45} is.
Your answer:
{"hour": 2, "minute": 3, "second": 12}
